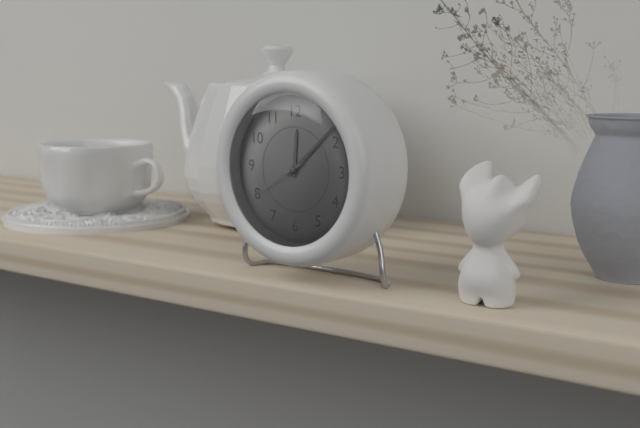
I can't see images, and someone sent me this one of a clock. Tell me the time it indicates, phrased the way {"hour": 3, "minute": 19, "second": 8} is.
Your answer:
{"hour": 12, "minute": 8, "second": 40}
